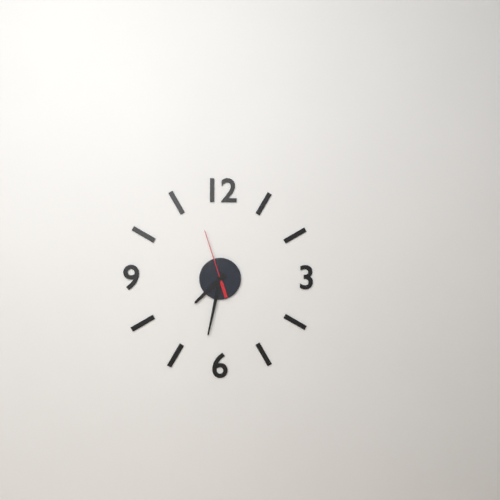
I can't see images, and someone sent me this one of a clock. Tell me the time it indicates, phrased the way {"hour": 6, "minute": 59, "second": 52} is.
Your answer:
{"hour": 7, "minute": 32, "second": 57}
